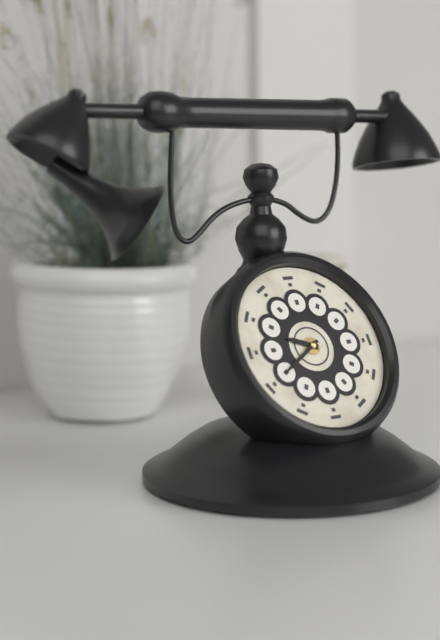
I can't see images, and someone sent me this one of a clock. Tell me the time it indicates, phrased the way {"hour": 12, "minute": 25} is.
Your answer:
{"hour": 9, "minute": 40}
